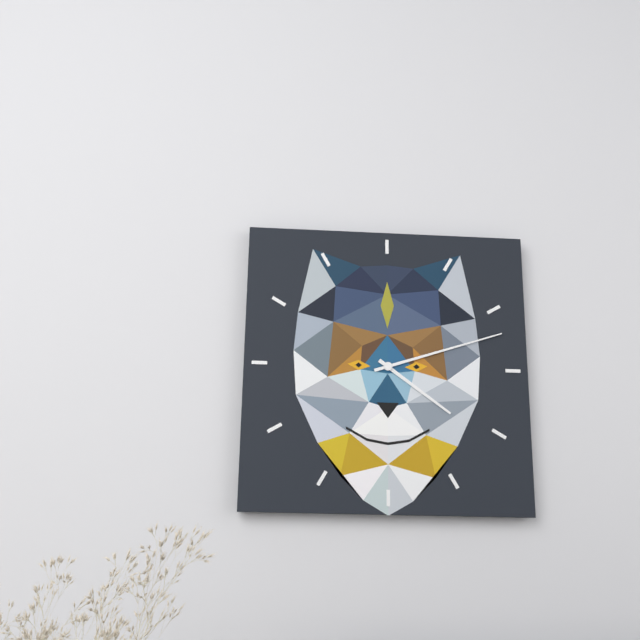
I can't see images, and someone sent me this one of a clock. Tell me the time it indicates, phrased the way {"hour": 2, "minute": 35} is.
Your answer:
{"hour": 4, "minute": 12}
